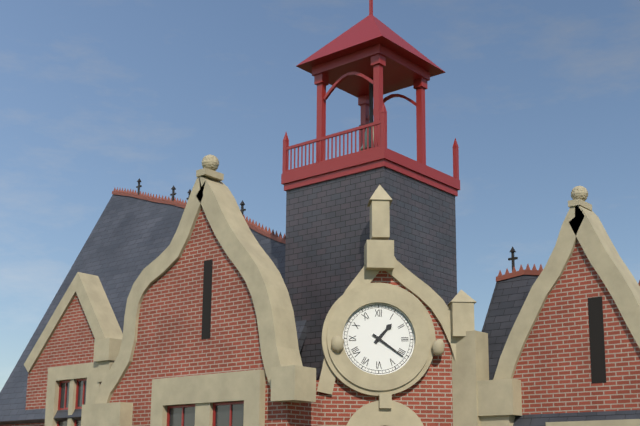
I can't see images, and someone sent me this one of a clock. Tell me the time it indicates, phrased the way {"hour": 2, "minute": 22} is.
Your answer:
{"hour": 1, "minute": 21}
